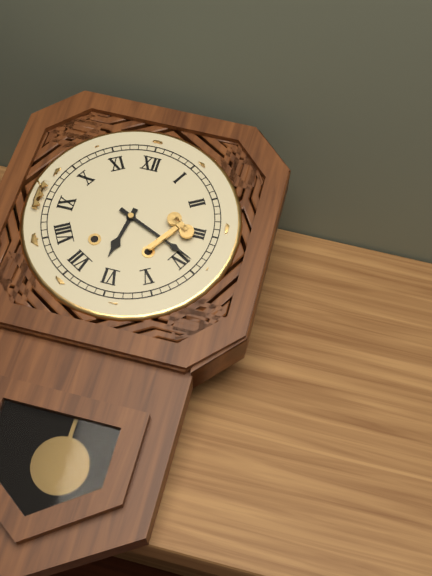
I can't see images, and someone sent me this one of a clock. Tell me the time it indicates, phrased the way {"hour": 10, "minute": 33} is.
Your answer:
{"hour": 6, "minute": 19}
